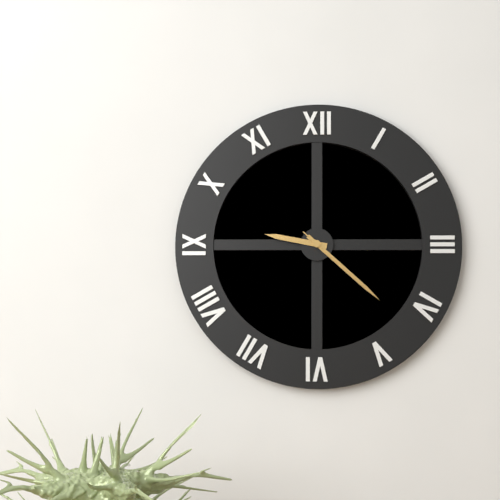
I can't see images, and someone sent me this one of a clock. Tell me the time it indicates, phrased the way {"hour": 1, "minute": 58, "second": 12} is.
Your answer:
{"hour": 9, "minute": 22, "second": 22}
